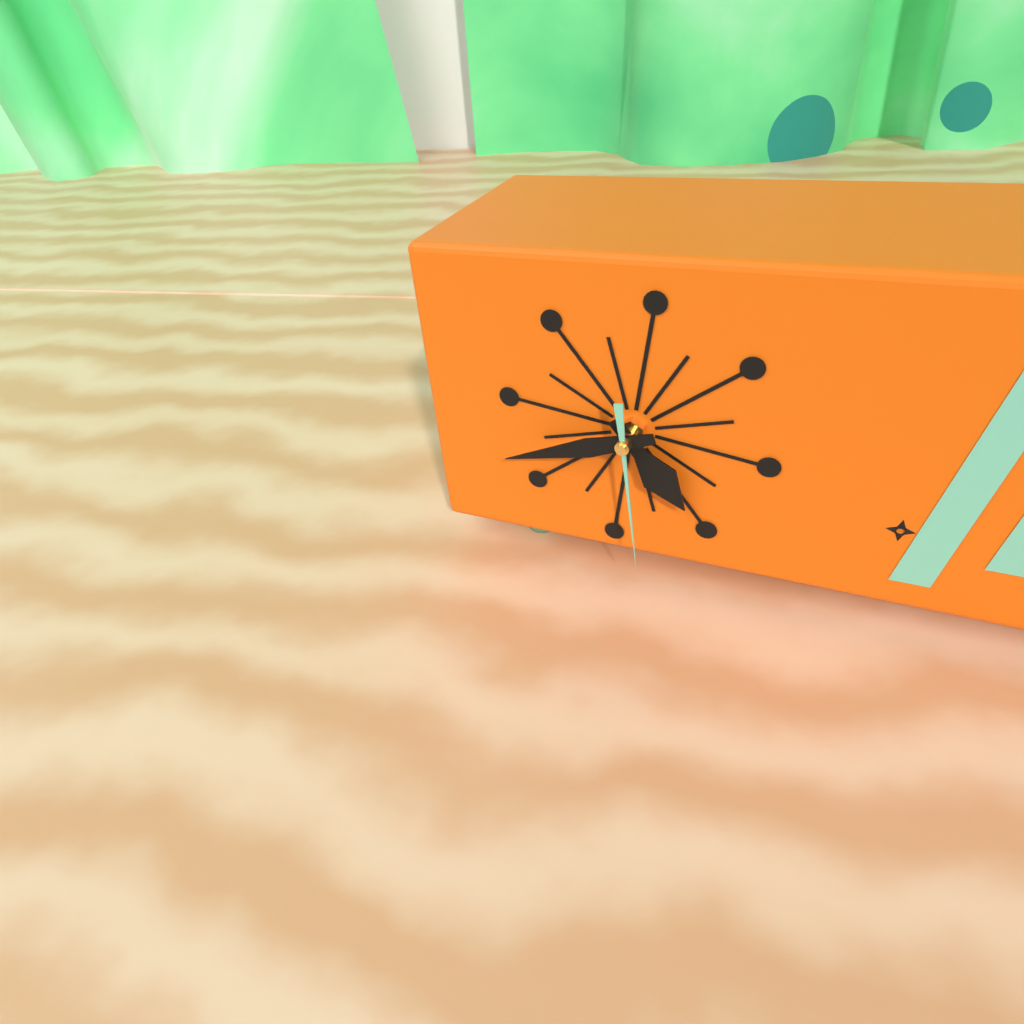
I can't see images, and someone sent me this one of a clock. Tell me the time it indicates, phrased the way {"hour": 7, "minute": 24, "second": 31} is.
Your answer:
{"hour": 4, "minute": 42, "second": 29}
